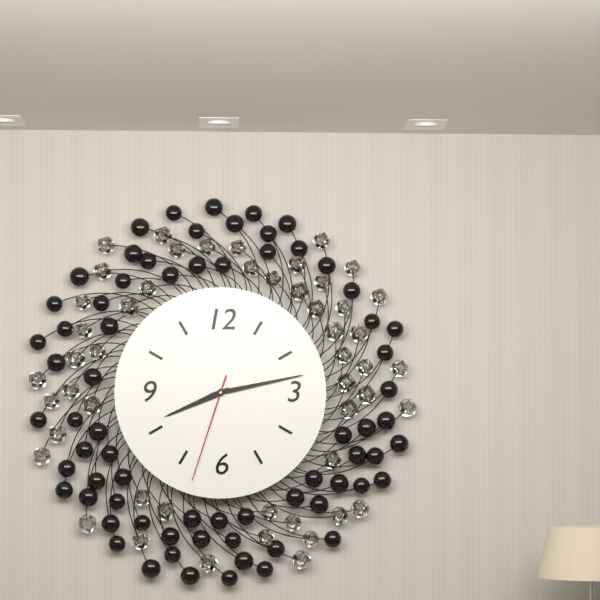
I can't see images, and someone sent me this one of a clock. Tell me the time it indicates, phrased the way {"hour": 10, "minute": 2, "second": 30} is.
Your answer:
{"hour": 8, "minute": 13, "second": 33}
